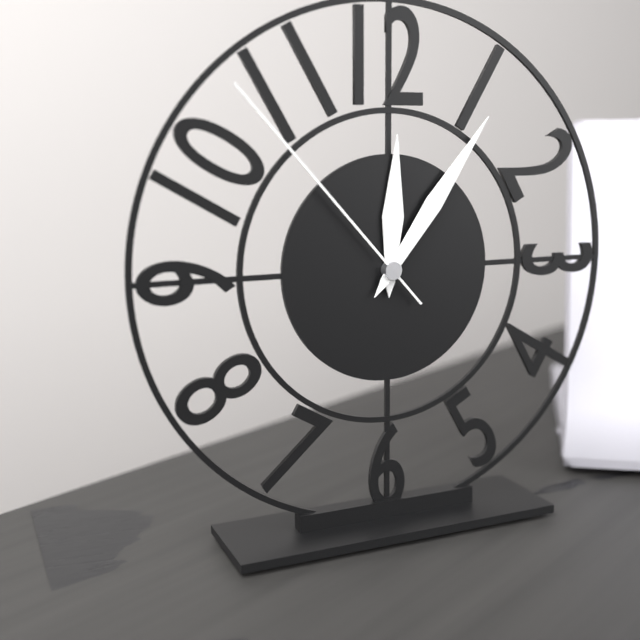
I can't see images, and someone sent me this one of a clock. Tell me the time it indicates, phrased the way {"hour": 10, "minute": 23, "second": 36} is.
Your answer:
{"hour": 12, "minute": 6, "second": 53}
